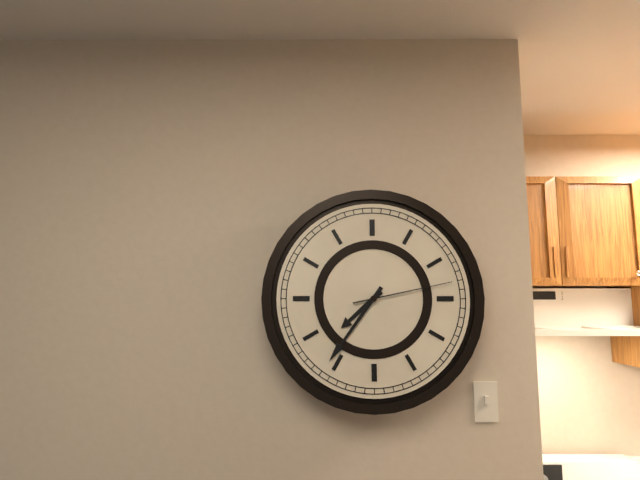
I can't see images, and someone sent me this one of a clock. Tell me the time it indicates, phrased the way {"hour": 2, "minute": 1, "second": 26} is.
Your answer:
{"hour": 7, "minute": 36, "second": 13}
